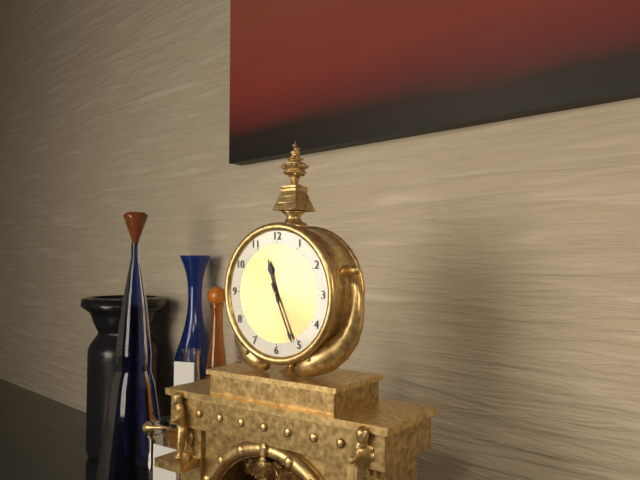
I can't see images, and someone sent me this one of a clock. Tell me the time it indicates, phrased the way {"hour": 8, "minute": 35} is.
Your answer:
{"hour": 11, "minute": 26}
